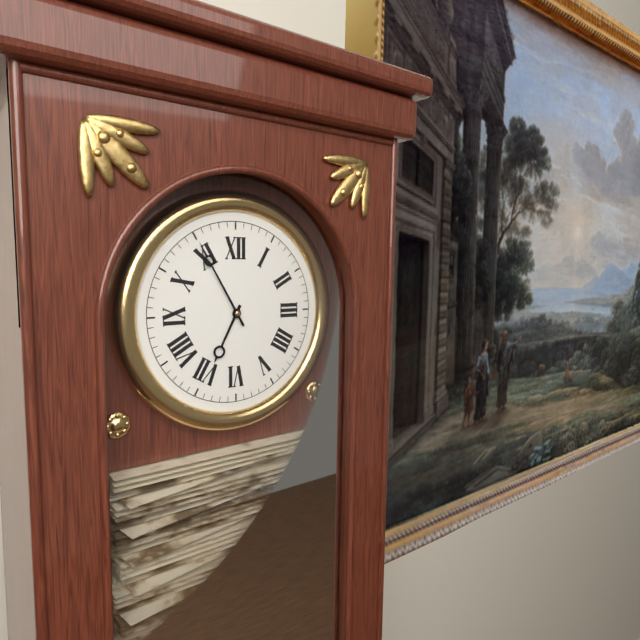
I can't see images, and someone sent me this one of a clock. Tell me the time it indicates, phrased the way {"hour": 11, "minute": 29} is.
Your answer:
{"hour": 6, "minute": 55}
